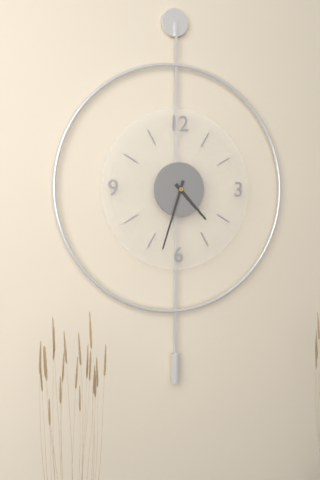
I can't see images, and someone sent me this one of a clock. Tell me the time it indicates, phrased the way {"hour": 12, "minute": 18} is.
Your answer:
{"hour": 4, "minute": 33}
